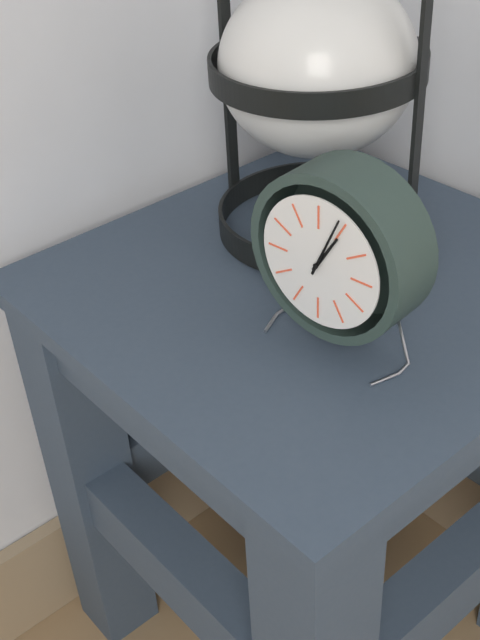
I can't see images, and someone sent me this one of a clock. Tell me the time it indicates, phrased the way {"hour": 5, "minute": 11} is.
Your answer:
{"hour": 1, "minute": 4}
